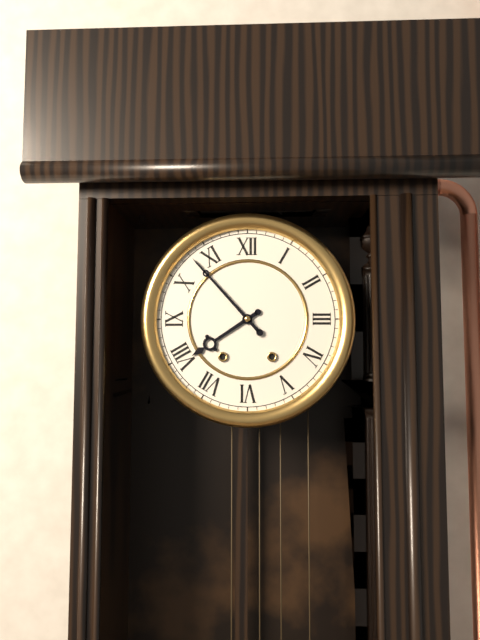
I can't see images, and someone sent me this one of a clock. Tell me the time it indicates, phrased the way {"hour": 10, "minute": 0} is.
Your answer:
{"hour": 7, "minute": 53}
